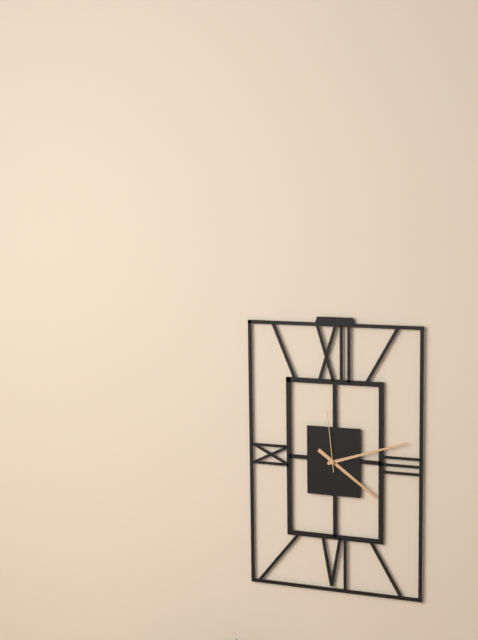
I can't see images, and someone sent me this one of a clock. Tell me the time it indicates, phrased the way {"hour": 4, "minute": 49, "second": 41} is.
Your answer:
{"hour": 4, "minute": 12, "second": 59}
